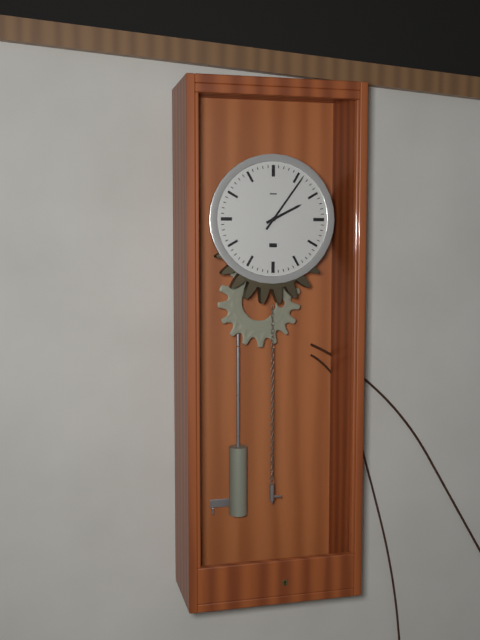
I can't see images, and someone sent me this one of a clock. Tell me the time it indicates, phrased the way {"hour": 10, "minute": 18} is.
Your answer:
{"hour": 2, "minute": 6}
